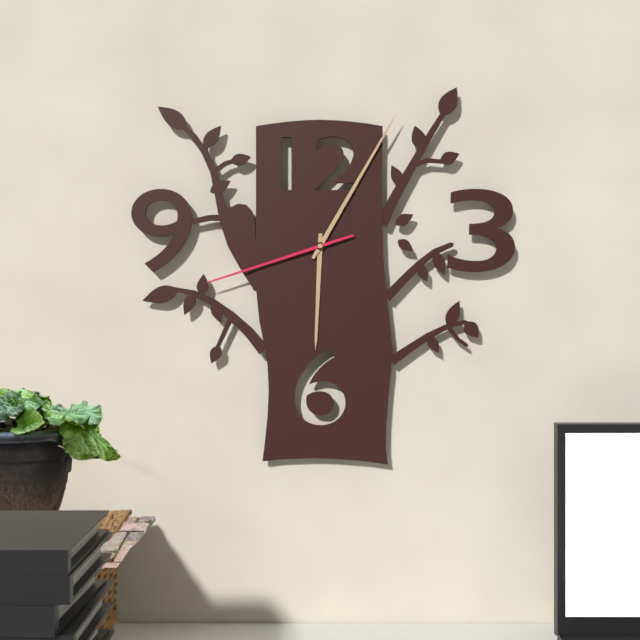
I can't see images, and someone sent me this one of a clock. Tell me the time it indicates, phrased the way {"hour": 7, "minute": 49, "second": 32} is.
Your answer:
{"hour": 6, "minute": 5, "second": 42}
